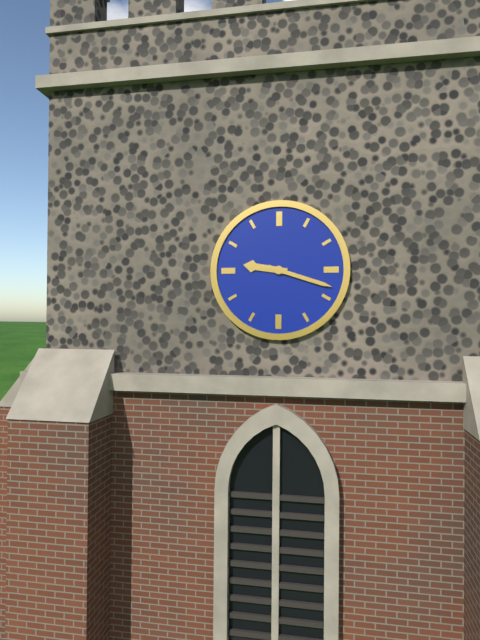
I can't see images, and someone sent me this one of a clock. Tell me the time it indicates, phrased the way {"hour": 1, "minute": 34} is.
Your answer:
{"hour": 9, "minute": 18}
